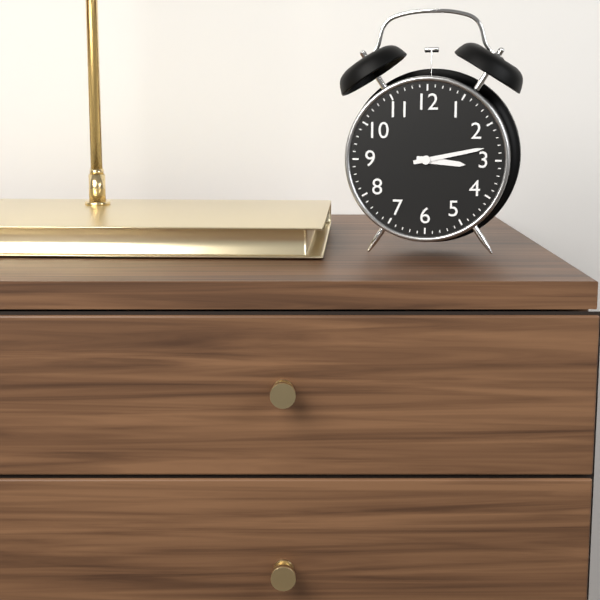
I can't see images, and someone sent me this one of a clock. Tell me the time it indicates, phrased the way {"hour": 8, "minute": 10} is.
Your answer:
{"hour": 3, "minute": 13}
